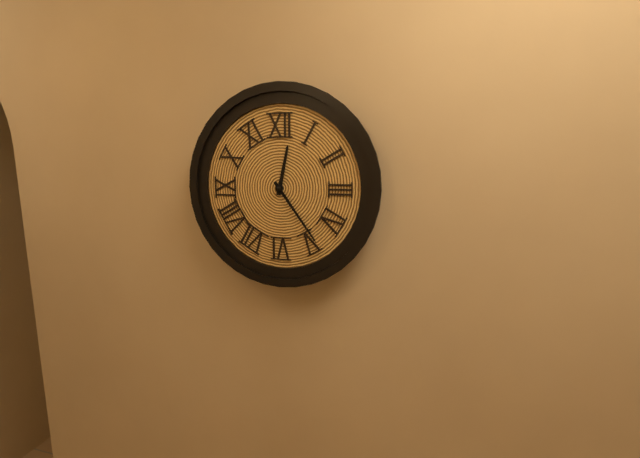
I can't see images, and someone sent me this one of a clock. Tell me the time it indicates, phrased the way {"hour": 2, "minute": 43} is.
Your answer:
{"hour": 12, "minute": 24}
